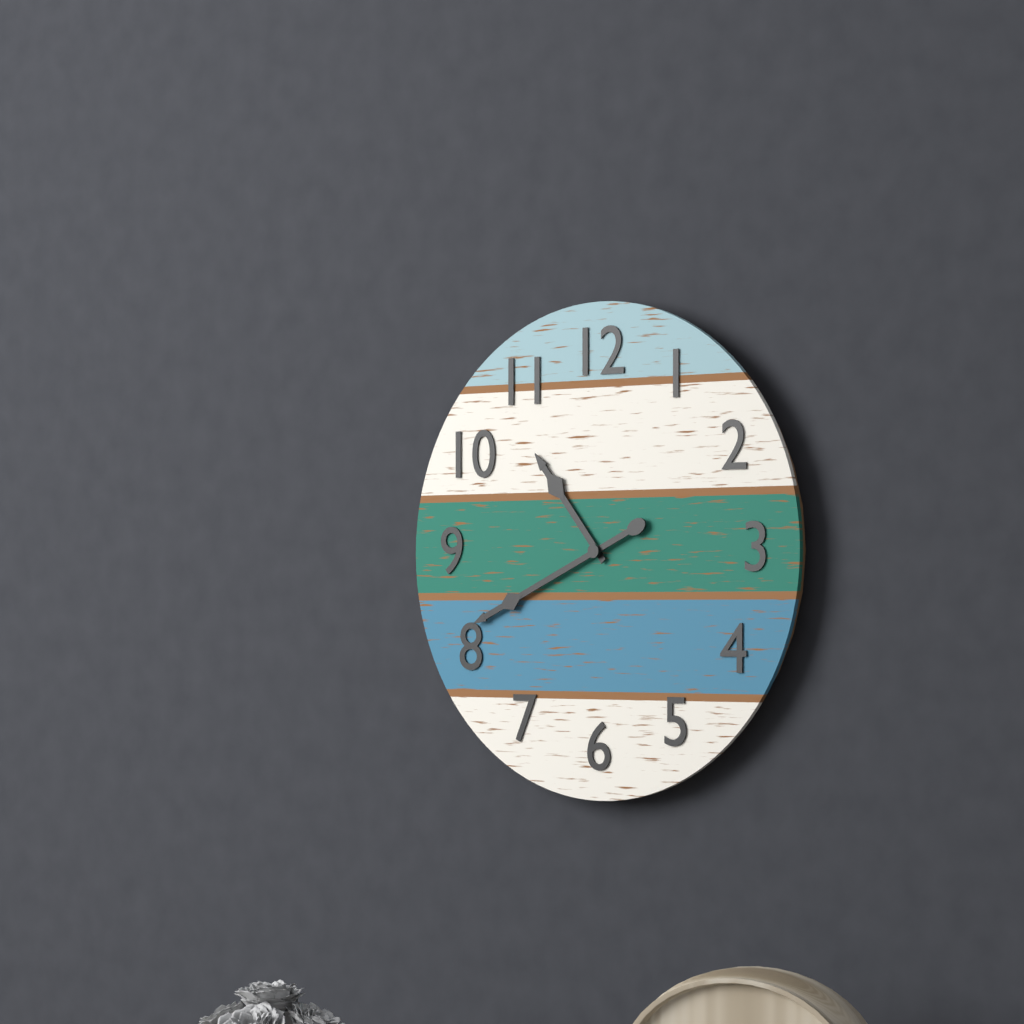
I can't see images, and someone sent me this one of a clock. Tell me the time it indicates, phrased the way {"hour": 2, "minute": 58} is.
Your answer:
{"hour": 10, "minute": 41}
